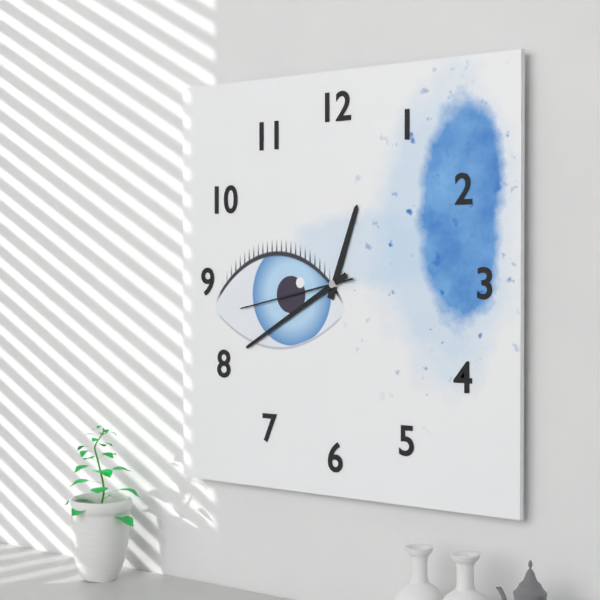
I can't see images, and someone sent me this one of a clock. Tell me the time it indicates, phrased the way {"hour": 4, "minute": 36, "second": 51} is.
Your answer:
{"hour": 12, "minute": 40, "second": 43}
